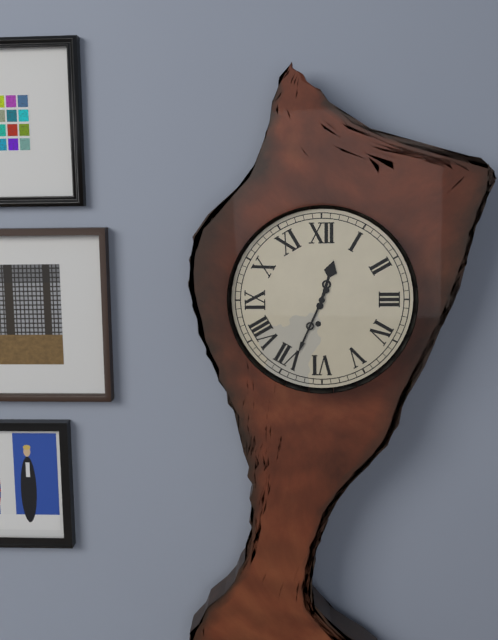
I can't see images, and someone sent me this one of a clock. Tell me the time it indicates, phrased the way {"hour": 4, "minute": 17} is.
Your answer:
{"hour": 12, "minute": 34}
